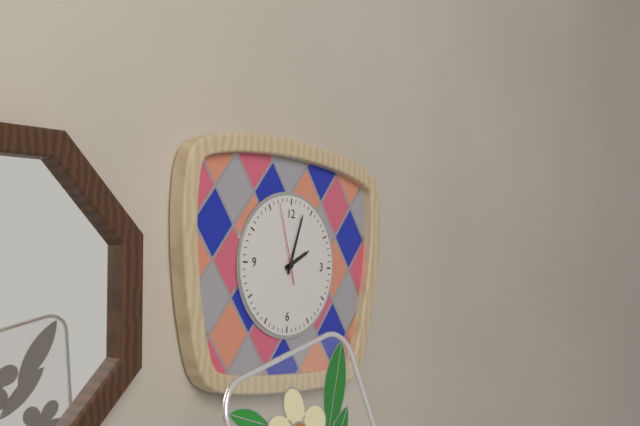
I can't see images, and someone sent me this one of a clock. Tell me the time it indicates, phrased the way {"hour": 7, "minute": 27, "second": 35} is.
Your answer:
{"hour": 2, "minute": 3, "second": 57}
